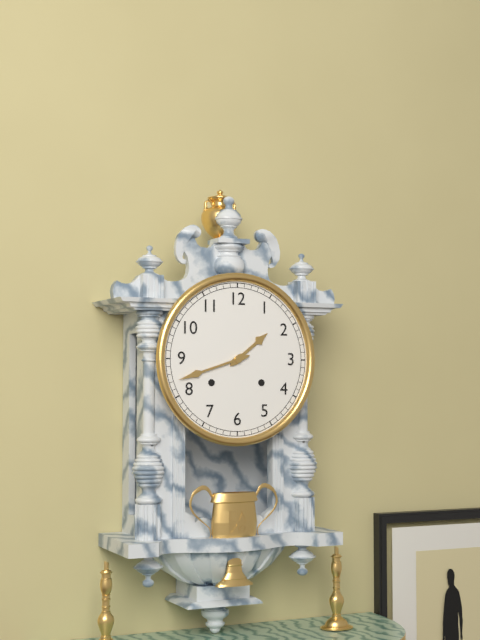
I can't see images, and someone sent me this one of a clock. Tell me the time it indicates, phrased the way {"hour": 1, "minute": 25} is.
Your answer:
{"hour": 1, "minute": 42}
